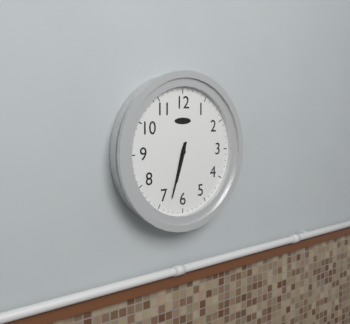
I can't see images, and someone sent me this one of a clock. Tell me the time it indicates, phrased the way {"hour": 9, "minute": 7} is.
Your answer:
{"hour": 6, "minute": 33}
